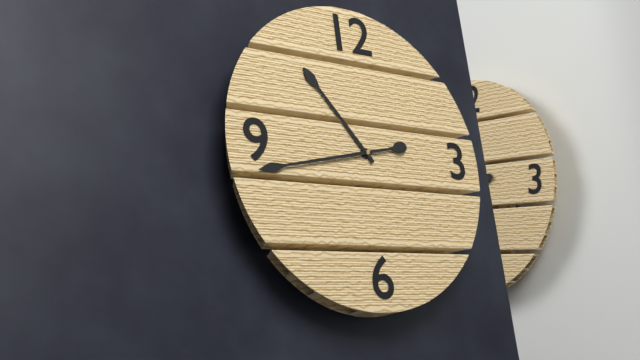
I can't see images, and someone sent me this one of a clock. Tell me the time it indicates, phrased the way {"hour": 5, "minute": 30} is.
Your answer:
{"hour": 10, "minute": 43}
